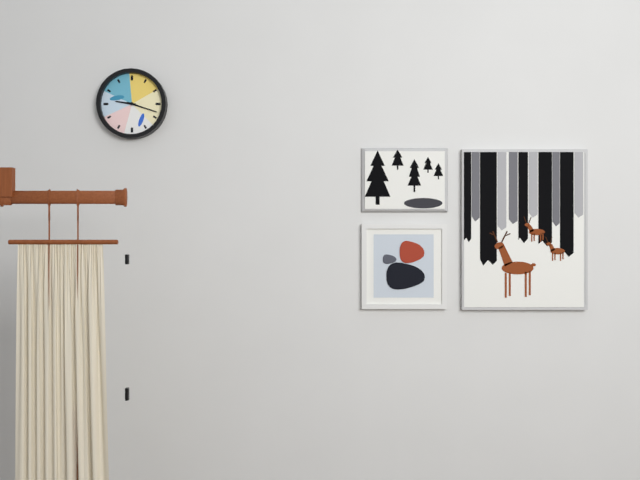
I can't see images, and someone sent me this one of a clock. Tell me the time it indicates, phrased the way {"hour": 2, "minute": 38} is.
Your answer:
{"hour": 9, "minute": 18}
